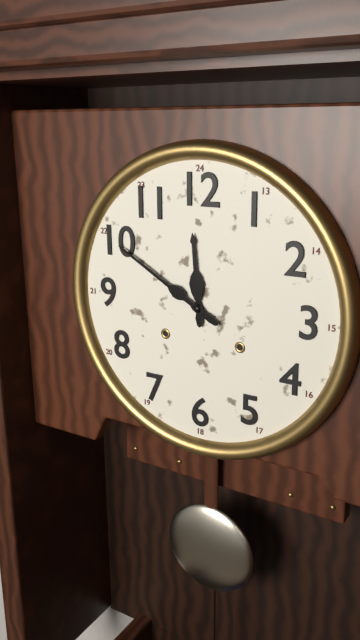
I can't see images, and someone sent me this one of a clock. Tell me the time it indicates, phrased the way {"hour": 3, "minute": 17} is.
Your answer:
{"hour": 11, "minute": 50}
